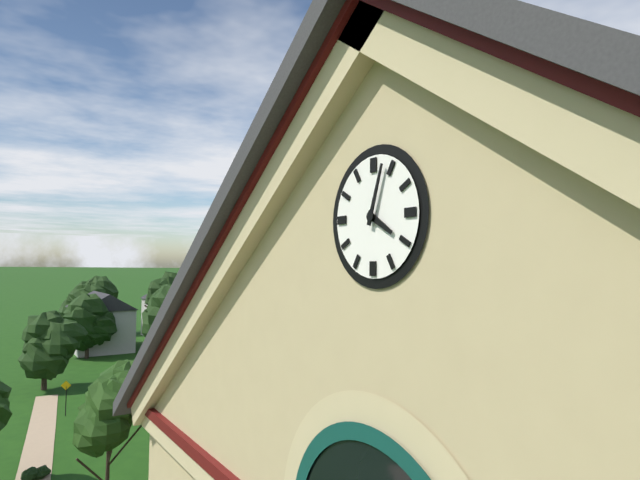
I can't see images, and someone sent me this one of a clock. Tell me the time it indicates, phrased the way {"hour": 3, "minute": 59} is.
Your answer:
{"hour": 4, "minute": 3}
